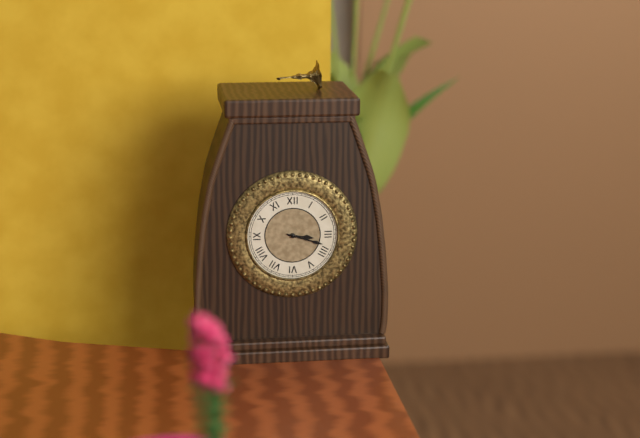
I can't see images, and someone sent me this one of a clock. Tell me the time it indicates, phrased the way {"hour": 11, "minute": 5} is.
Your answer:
{"hour": 3, "minute": 18}
